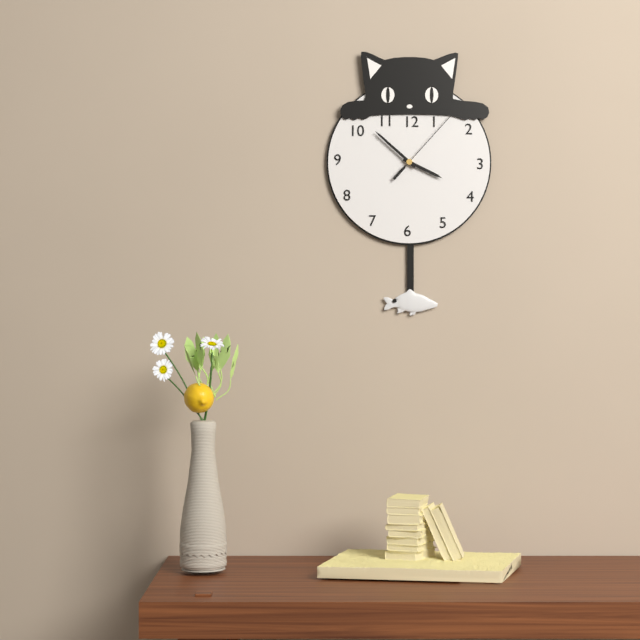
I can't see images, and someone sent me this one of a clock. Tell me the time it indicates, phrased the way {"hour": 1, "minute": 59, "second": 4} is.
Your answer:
{"hour": 3, "minute": 52, "second": 7}
